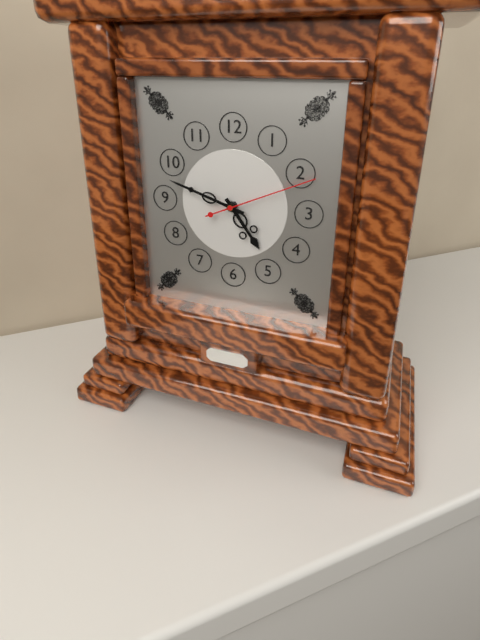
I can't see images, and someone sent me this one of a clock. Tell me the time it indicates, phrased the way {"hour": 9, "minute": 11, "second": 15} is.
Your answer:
{"hour": 4, "minute": 48, "second": 11}
